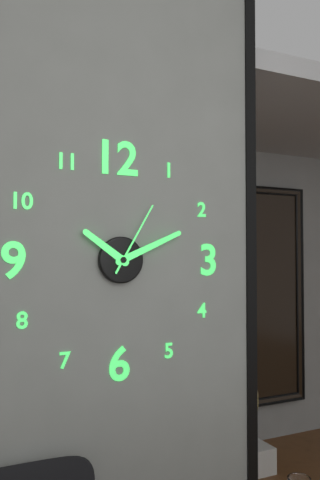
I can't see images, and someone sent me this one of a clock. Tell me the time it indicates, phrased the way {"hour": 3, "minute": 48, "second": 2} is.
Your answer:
{"hour": 10, "minute": 11, "second": 5}
